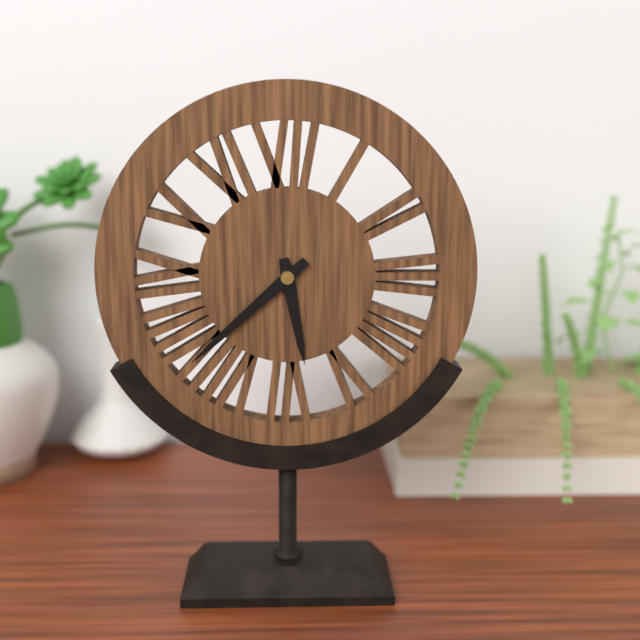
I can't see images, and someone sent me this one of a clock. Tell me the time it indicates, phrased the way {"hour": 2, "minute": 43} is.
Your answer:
{"hour": 5, "minute": 38}
